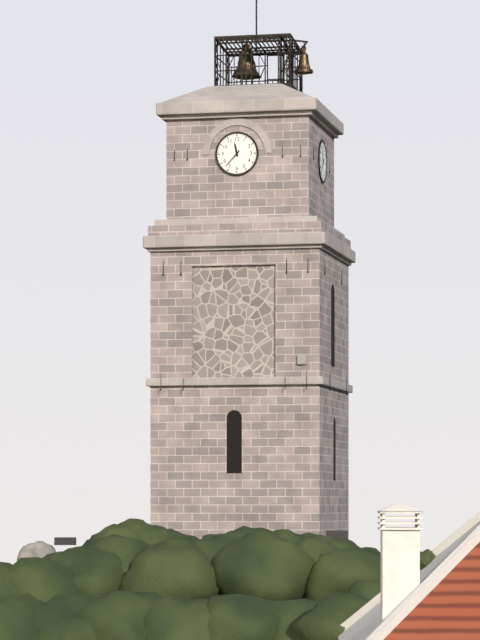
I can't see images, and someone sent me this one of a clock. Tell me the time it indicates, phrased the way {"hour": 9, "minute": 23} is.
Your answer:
{"hour": 11, "minute": 37}
